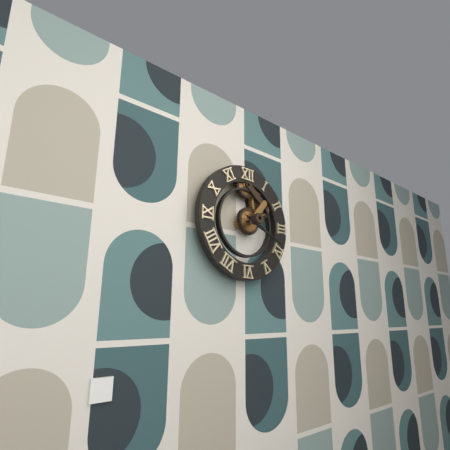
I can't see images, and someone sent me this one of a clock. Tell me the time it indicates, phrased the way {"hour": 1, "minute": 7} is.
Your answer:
{"hour": 2, "minute": 19}
